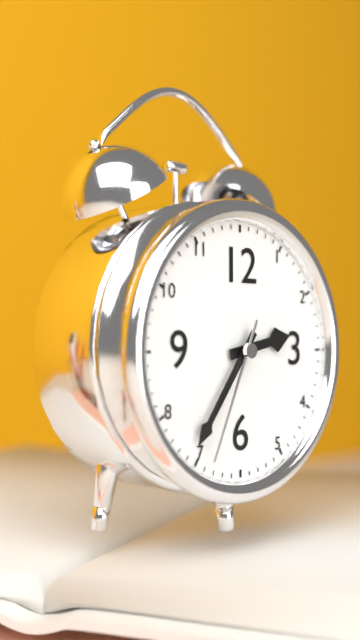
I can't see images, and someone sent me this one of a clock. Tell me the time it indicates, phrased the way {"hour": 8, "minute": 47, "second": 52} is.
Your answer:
{"hour": 2, "minute": 36, "second": 34}
